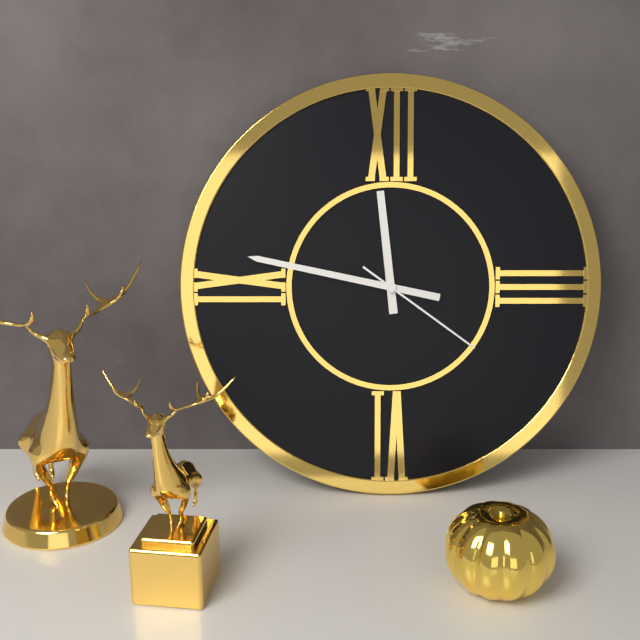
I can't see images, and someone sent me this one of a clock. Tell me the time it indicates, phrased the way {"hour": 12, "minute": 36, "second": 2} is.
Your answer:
{"hour": 11, "minute": 47, "second": 21}
